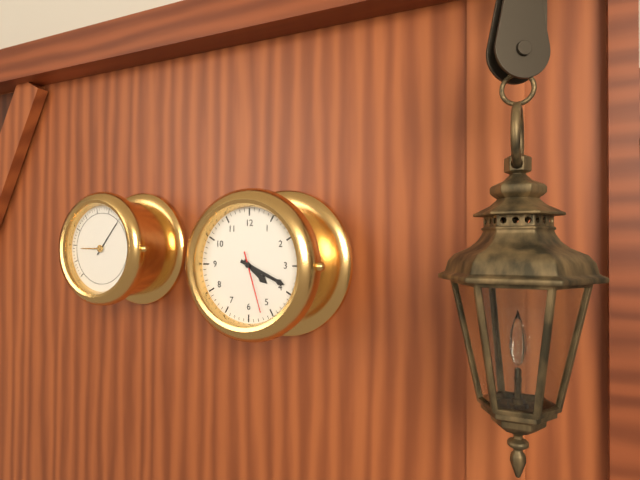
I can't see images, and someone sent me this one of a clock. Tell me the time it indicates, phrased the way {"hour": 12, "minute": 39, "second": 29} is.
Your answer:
{"hour": 4, "minute": 19, "second": 27}
